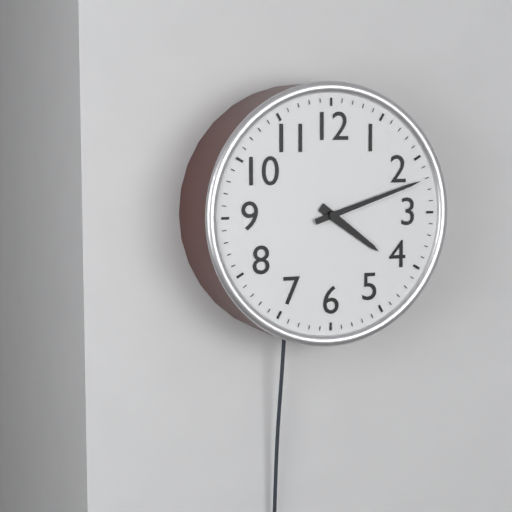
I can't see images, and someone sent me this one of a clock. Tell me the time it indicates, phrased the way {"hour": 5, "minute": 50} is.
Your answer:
{"hour": 4, "minute": 12}
